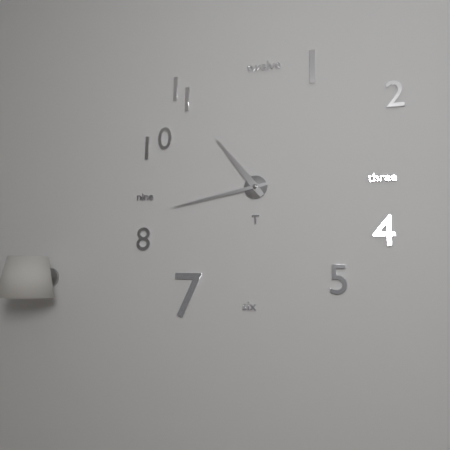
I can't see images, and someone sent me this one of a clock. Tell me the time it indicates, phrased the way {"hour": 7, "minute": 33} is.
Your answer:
{"hour": 10, "minute": 43}
